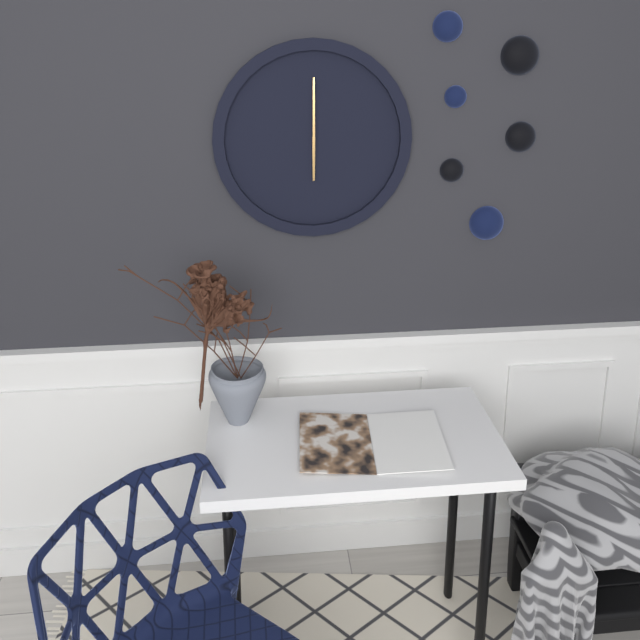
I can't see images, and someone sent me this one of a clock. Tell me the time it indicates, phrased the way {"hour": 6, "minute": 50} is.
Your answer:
{"hour": 6, "minute": 0}
